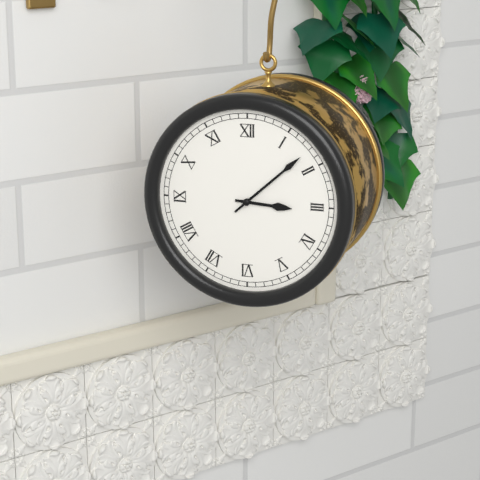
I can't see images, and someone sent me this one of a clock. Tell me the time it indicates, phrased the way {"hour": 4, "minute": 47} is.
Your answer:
{"hour": 3, "minute": 8}
